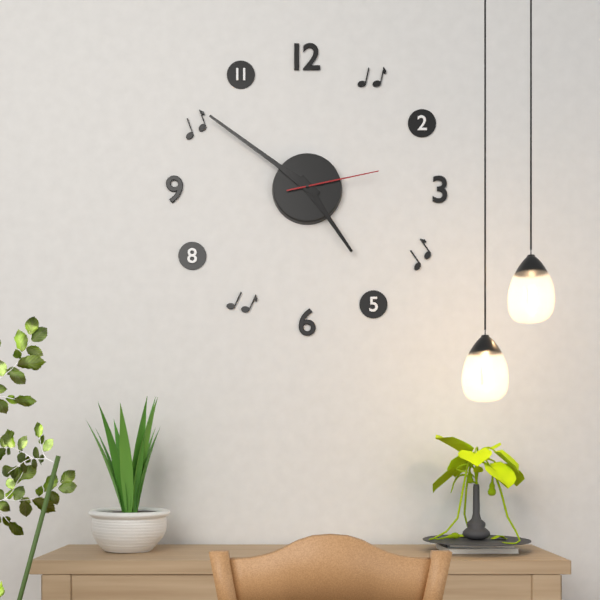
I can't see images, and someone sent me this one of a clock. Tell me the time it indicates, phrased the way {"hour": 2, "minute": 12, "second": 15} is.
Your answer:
{"hour": 4, "minute": 51, "second": 13}
